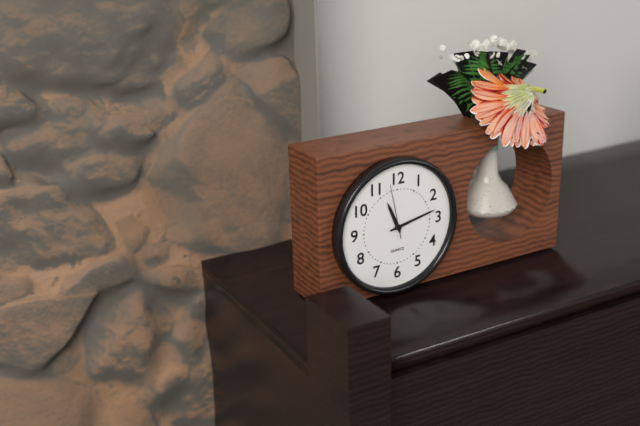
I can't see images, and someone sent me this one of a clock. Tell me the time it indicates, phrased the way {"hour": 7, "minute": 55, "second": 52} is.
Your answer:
{"hour": 11, "minute": 13, "second": 58}
